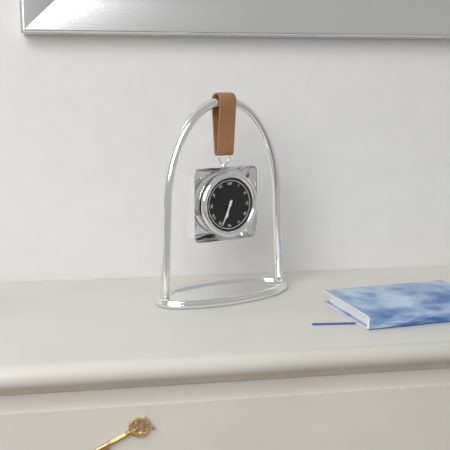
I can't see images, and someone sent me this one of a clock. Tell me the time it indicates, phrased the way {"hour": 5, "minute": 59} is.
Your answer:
{"hour": 6, "minute": 34}
